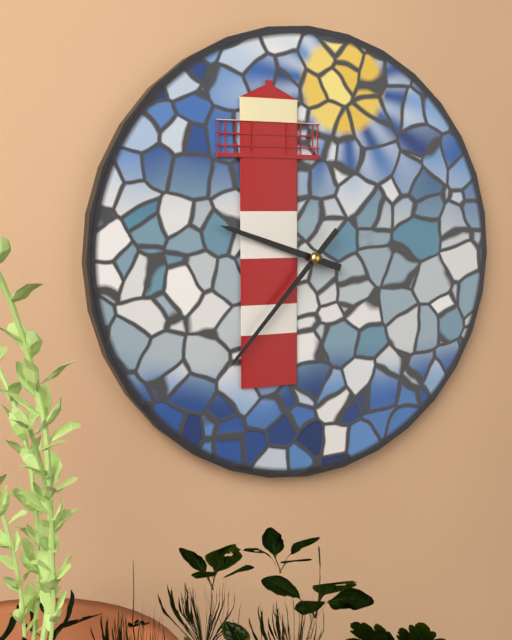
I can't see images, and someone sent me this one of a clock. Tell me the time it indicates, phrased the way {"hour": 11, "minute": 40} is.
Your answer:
{"hour": 9, "minute": 37}
